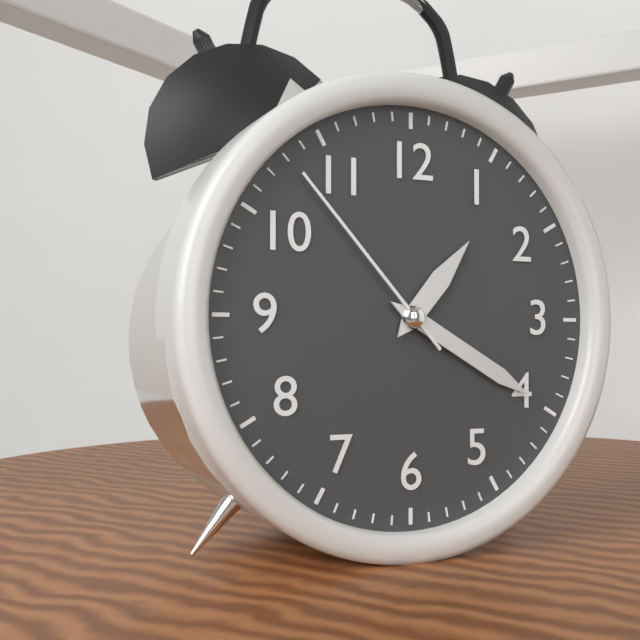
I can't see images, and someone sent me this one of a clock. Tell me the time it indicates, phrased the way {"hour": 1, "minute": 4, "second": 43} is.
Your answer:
{"hour": 1, "minute": 20, "second": 53}
